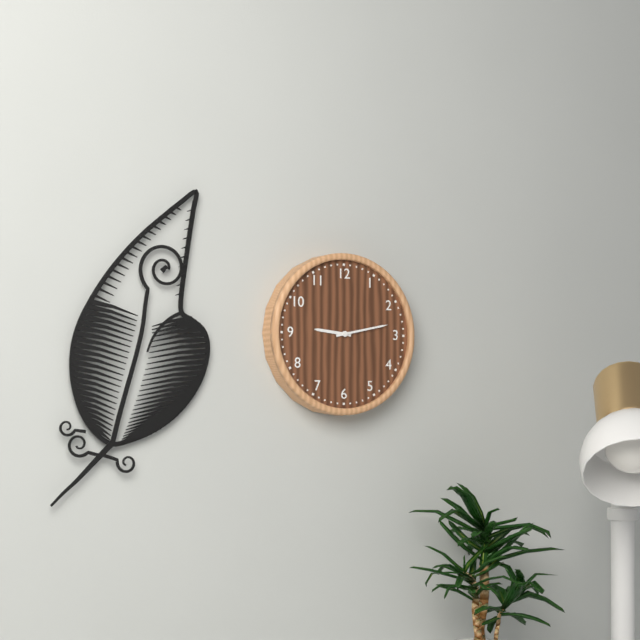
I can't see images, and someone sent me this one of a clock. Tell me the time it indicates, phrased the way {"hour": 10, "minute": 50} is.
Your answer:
{"hour": 9, "minute": 13}
